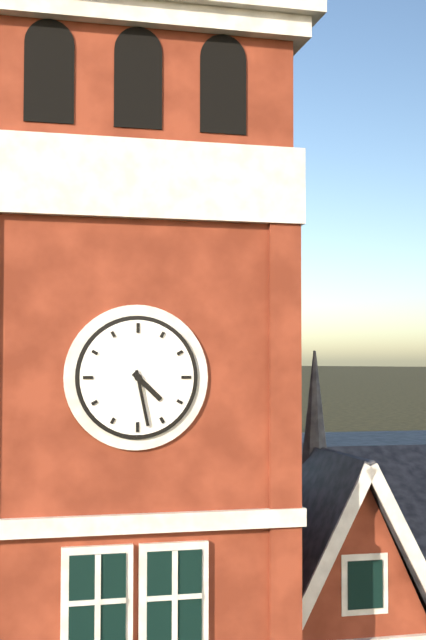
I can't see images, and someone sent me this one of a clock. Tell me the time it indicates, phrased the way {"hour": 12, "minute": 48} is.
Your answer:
{"hour": 4, "minute": 28}
